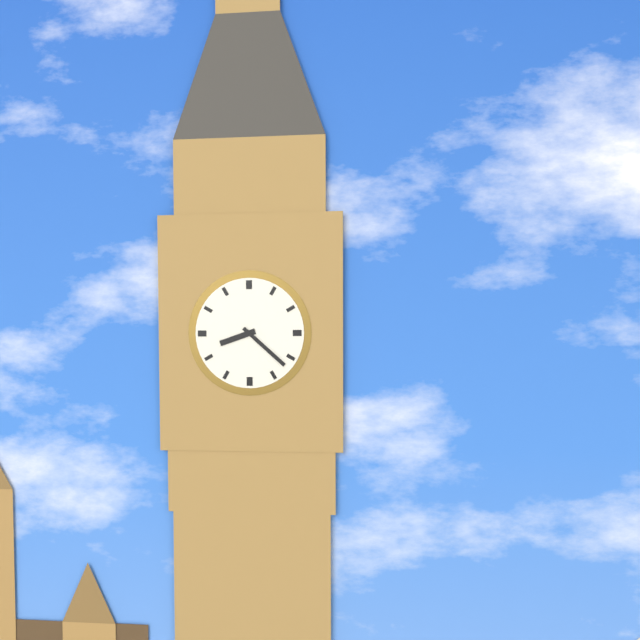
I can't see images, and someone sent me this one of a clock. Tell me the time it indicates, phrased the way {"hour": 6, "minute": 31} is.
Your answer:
{"hour": 8, "minute": 22}
